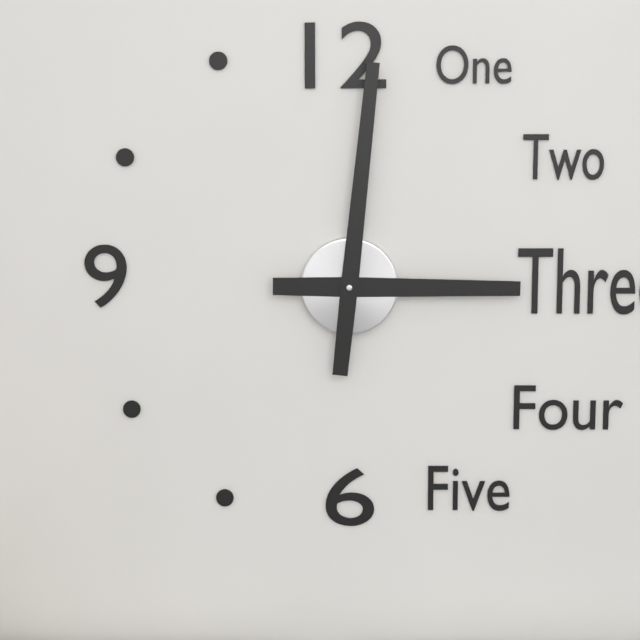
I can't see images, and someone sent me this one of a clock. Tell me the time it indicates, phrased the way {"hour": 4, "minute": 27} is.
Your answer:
{"hour": 3, "minute": 1}
